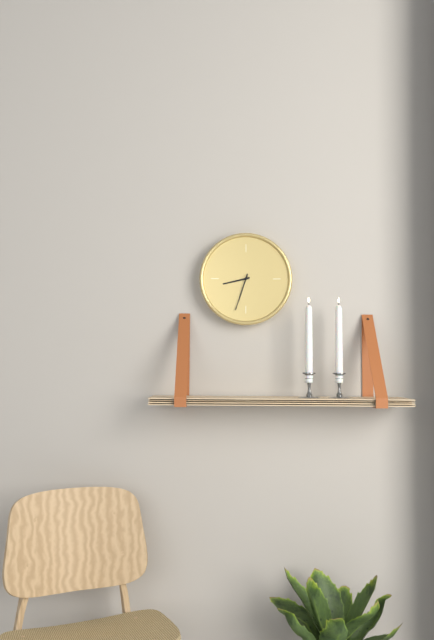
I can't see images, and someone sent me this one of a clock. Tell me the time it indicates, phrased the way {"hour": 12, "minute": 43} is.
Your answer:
{"hour": 8, "minute": 33}
